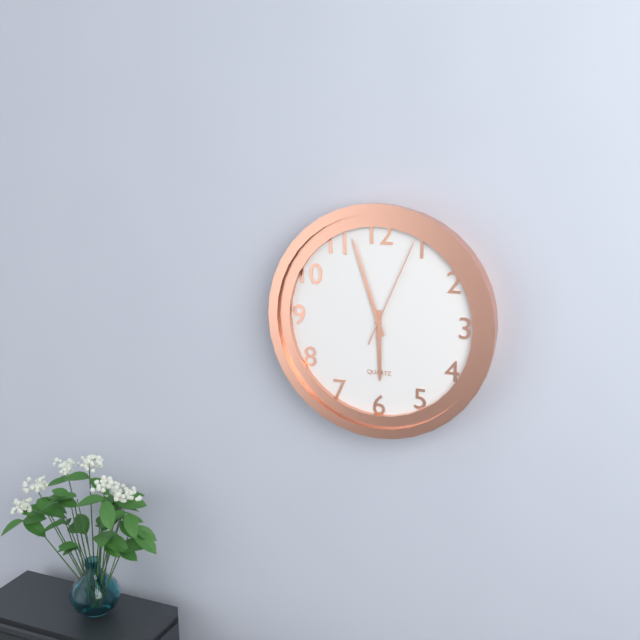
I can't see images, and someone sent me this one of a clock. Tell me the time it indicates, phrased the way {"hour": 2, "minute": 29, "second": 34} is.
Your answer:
{"hour": 5, "minute": 57, "second": 4}
